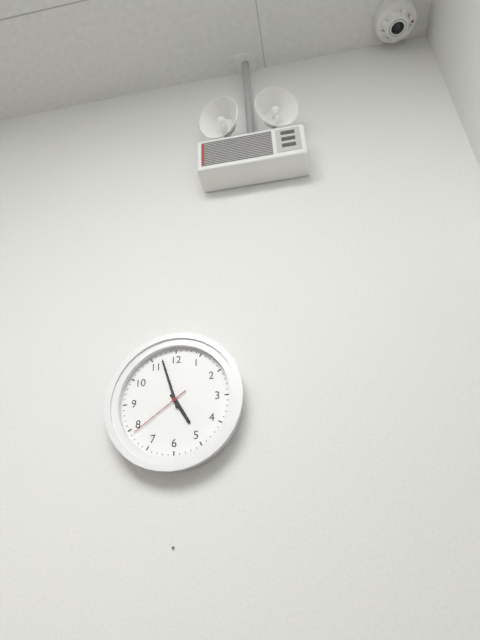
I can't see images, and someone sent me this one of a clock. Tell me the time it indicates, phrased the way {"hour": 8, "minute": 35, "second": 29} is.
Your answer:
{"hour": 4, "minute": 57, "second": 39}
